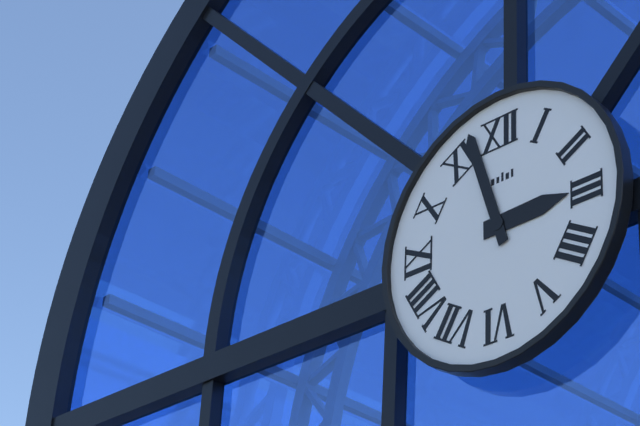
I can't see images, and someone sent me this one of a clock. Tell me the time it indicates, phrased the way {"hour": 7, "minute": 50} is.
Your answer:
{"hour": 2, "minute": 57}
